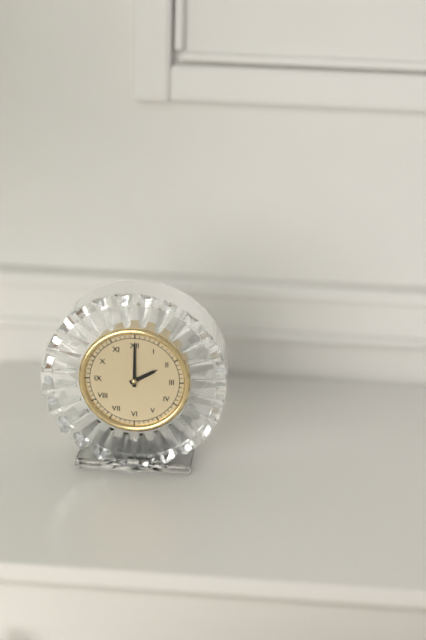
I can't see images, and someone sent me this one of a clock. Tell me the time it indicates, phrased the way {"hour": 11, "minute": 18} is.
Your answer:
{"hour": 2, "minute": 0}
